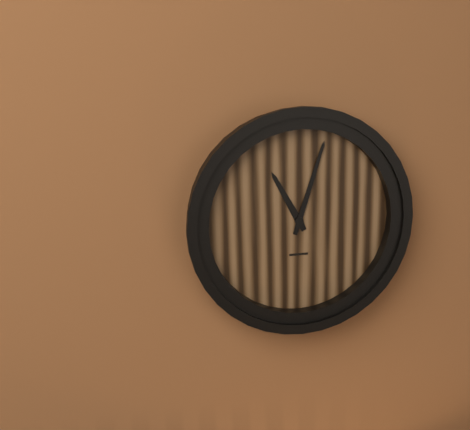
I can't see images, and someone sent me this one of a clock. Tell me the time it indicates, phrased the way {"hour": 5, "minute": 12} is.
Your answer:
{"hour": 11, "minute": 3}
